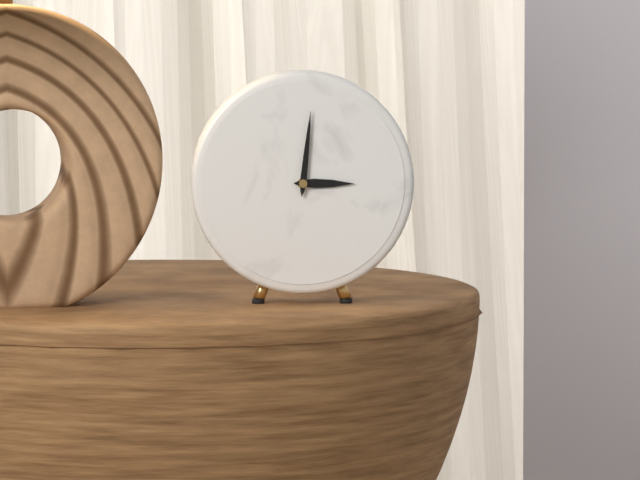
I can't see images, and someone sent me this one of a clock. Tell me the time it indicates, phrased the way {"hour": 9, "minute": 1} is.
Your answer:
{"hour": 3, "minute": 1}
